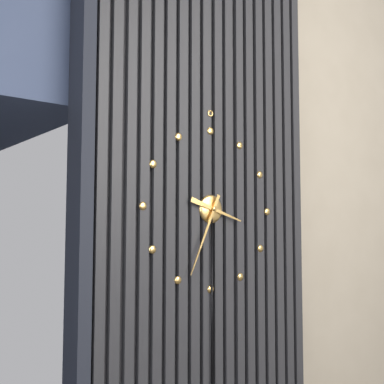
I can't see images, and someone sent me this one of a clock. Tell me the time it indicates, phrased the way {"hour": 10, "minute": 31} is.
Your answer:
{"hour": 3, "minute": 34}
